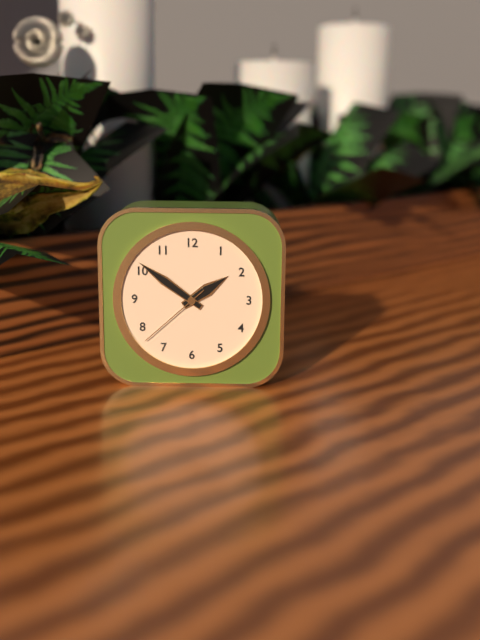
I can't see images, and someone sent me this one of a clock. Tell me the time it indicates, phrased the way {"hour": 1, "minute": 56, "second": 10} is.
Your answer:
{"hour": 1, "minute": 51, "second": 38}
